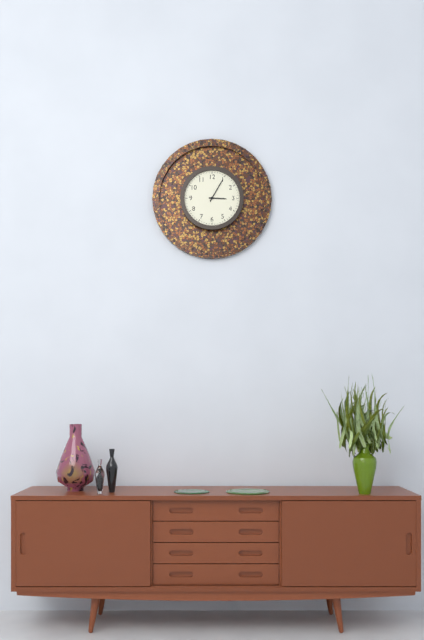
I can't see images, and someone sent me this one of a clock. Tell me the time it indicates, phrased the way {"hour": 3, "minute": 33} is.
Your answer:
{"hour": 3, "minute": 5}
